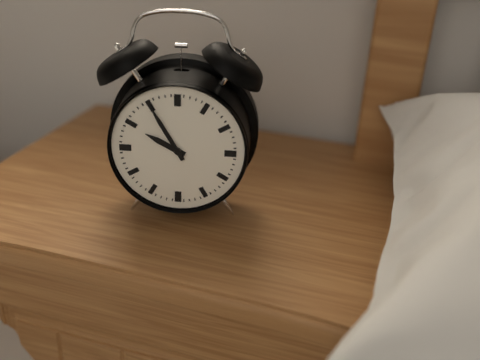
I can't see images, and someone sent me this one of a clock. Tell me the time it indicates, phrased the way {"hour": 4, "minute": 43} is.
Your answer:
{"hour": 9, "minute": 55}
